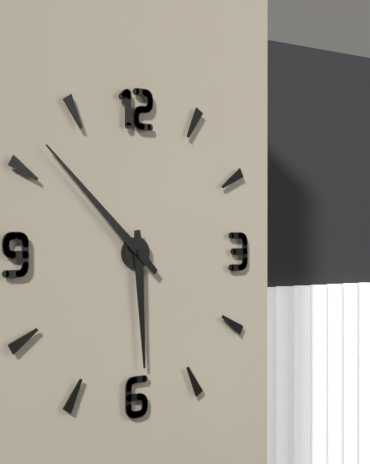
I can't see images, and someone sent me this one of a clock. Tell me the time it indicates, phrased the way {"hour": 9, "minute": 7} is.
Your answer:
{"hour": 5, "minute": 52}
